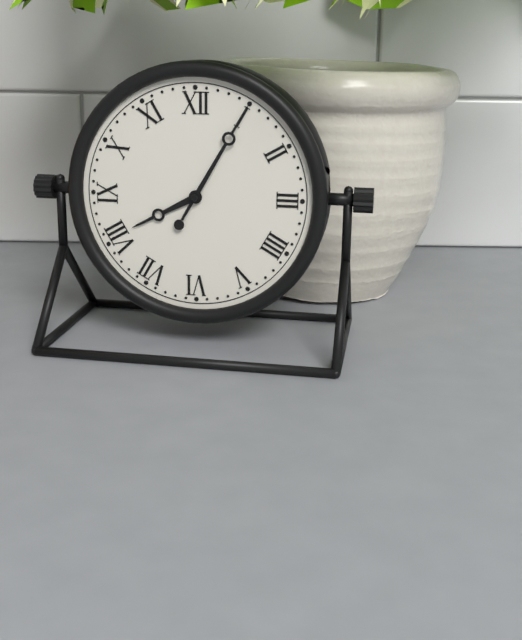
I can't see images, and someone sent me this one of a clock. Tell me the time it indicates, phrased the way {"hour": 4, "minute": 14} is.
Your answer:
{"hour": 8, "minute": 5}
